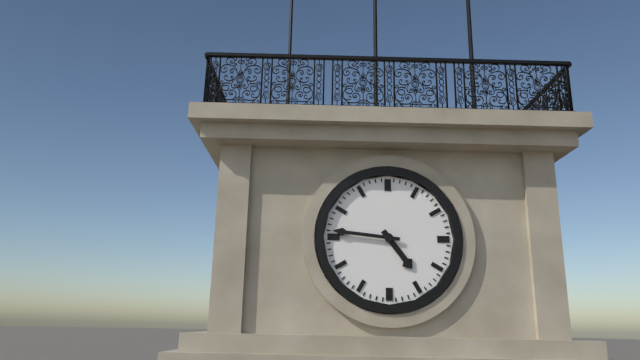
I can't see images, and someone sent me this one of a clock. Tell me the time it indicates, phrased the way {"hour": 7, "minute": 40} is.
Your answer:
{"hour": 4, "minute": 46}
